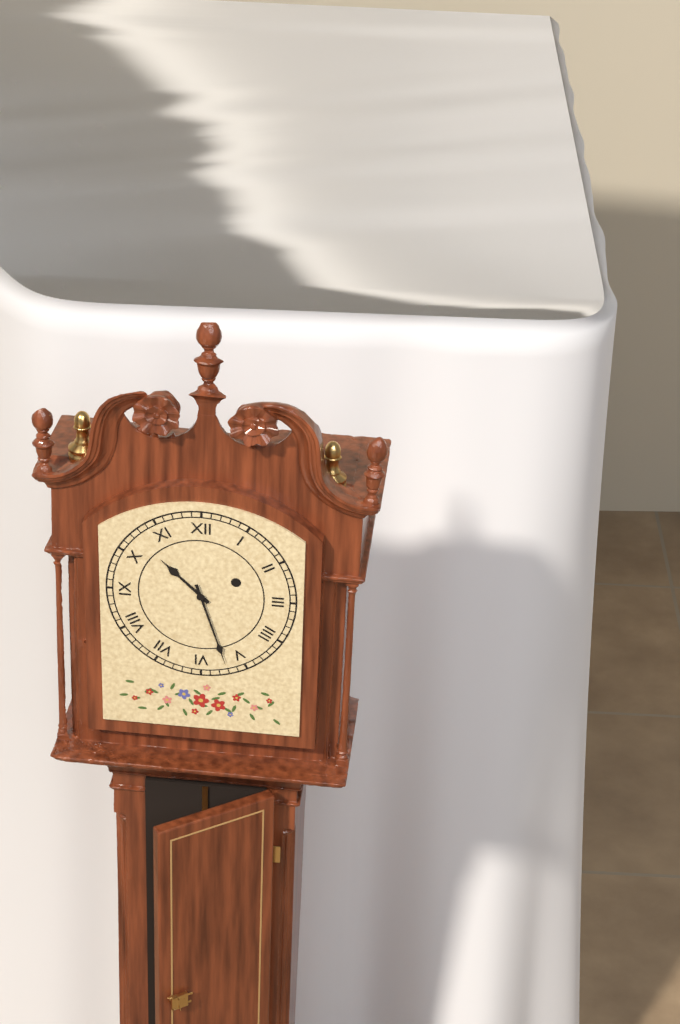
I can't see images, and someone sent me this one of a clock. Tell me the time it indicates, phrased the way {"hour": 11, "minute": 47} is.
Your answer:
{"hour": 10, "minute": 27}
